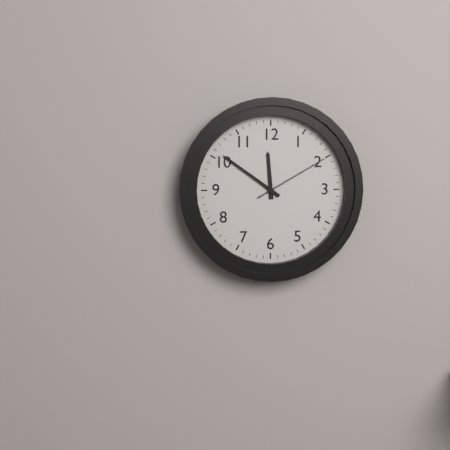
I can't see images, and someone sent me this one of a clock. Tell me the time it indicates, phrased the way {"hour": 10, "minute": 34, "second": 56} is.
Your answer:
{"hour": 11, "minute": 51, "second": 10}
